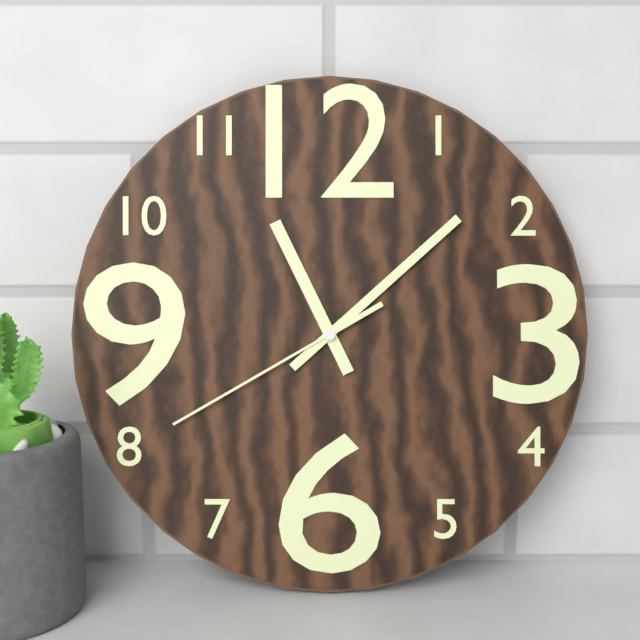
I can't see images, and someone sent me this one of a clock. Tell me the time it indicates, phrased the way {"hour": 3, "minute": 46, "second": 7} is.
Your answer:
{"hour": 11, "minute": 8, "second": 40}
